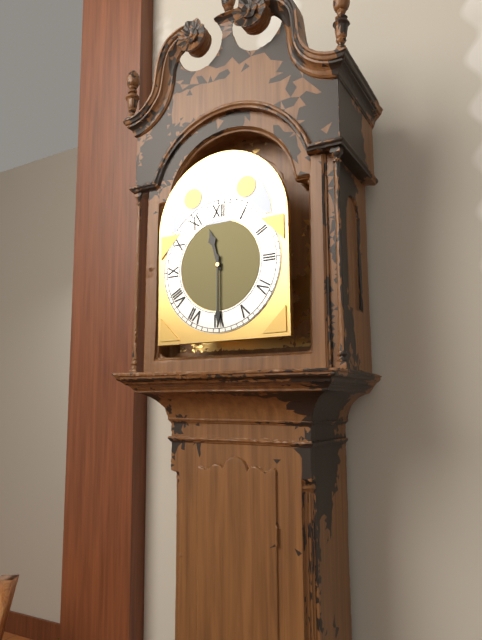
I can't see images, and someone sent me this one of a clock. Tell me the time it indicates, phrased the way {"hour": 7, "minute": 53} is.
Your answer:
{"hour": 11, "minute": 30}
